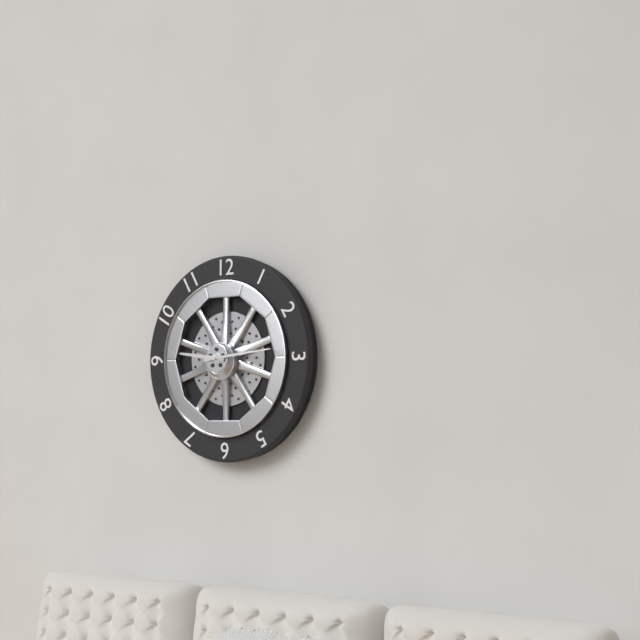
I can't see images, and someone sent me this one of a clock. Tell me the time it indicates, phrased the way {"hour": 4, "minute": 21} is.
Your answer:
{"hour": 9, "minute": 14}
